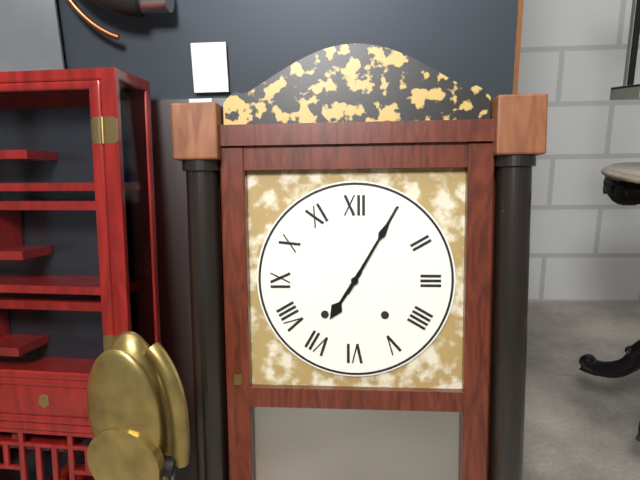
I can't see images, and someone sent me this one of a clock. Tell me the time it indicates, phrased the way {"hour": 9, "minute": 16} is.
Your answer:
{"hour": 7, "minute": 5}
